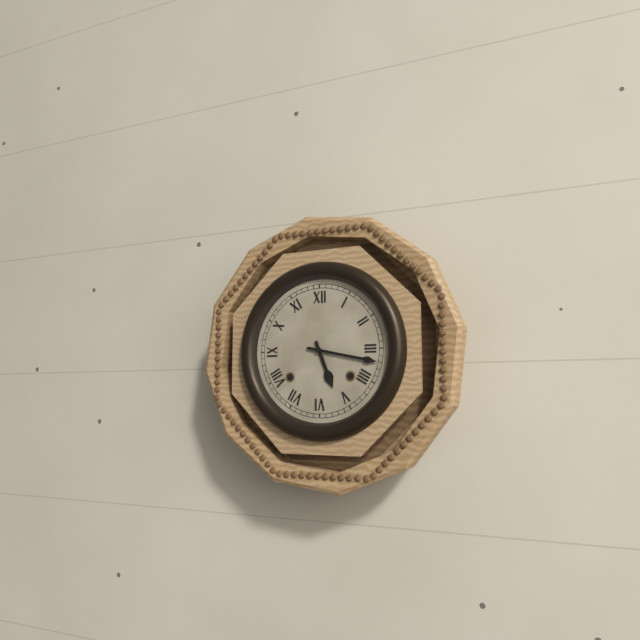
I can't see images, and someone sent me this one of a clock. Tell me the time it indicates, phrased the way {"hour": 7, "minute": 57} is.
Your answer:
{"hour": 5, "minute": 17}
